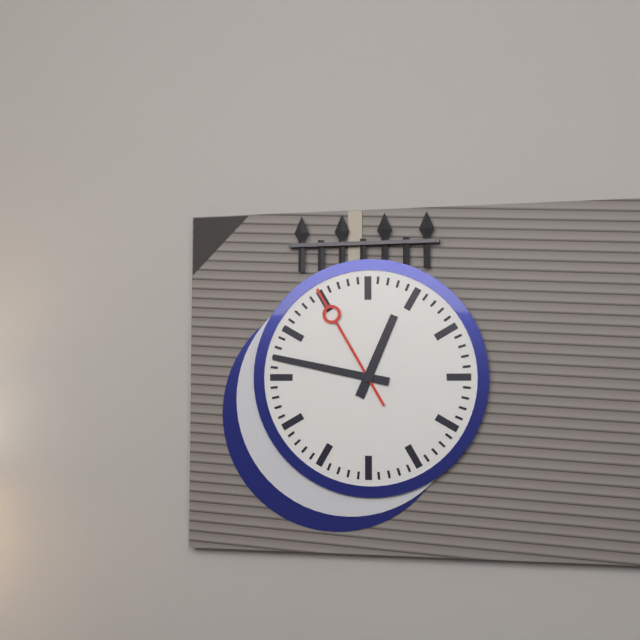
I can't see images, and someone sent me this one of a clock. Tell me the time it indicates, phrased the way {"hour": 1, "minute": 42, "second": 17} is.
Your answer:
{"hour": 12, "minute": 47, "second": 55}
